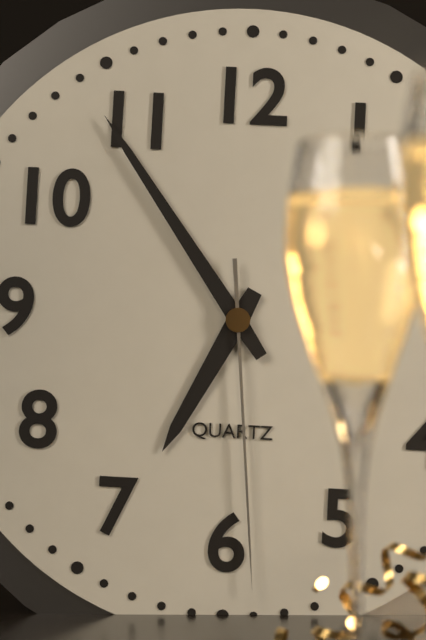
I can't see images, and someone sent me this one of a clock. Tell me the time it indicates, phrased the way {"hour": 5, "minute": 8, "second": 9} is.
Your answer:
{"hour": 6, "minute": 54, "second": 29}
